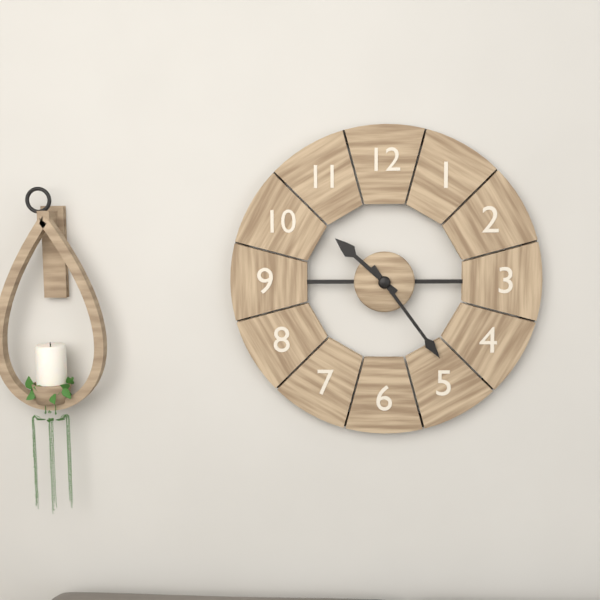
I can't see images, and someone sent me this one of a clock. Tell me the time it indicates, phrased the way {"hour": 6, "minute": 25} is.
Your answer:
{"hour": 10, "minute": 24}
